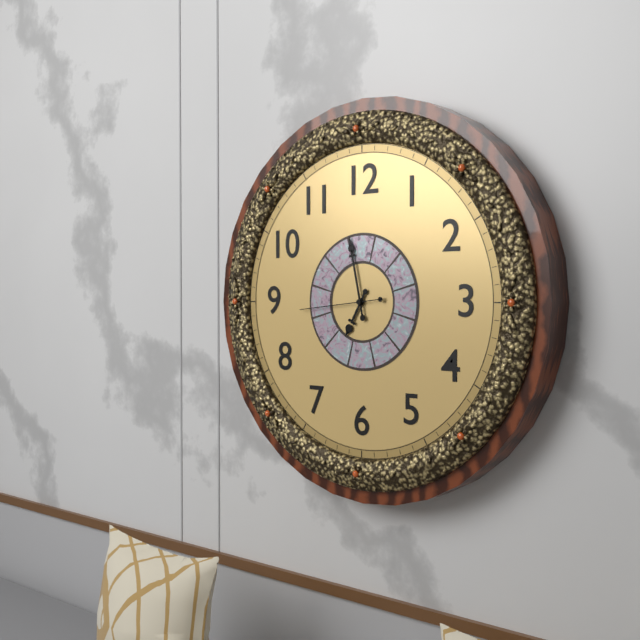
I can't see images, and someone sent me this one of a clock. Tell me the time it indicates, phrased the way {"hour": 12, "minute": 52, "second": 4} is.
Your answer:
{"hour": 6, "minute": 58, "second": 44}
